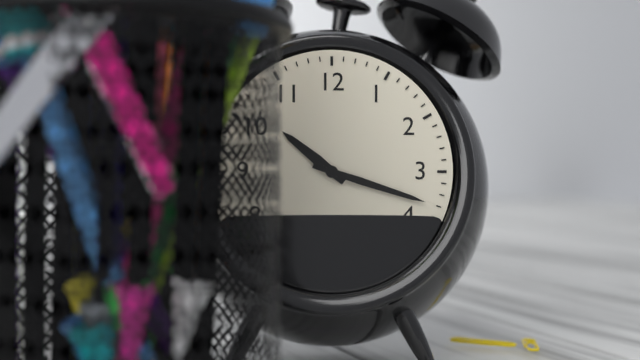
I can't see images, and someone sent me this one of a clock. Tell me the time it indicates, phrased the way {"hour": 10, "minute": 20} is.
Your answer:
{"hour": 10, "minute": 18}
